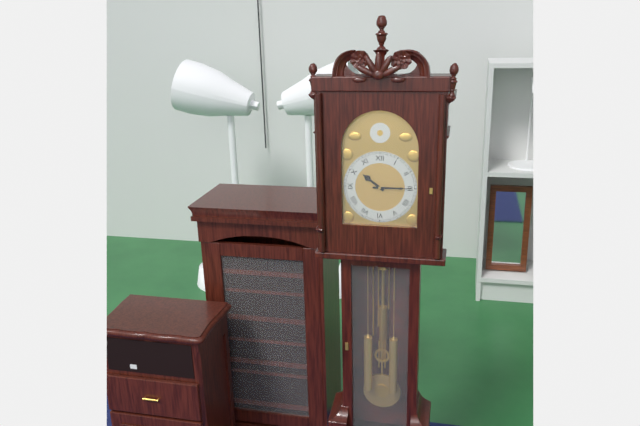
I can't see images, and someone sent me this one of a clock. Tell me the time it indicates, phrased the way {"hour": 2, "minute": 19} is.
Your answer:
{"hour": 10, "minute": 15}
